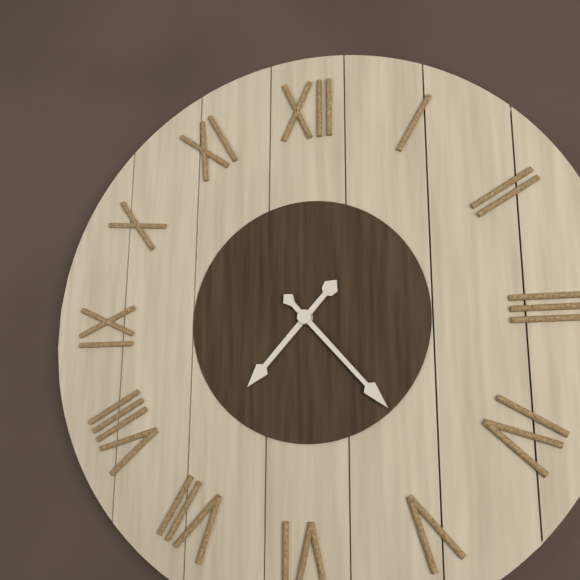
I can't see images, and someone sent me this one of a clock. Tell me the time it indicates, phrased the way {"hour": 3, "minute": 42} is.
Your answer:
{"hour": 7, "minute": 23}
